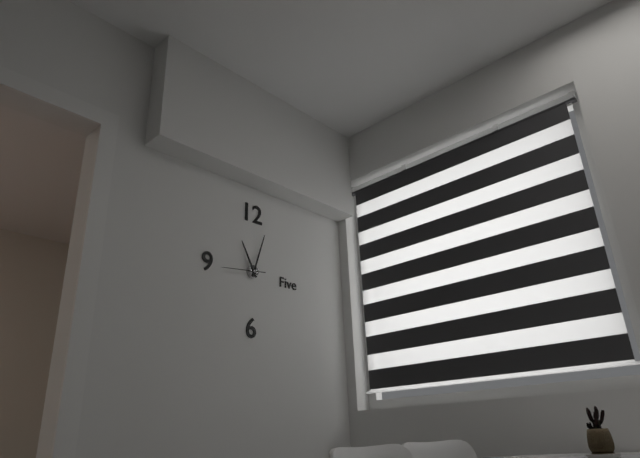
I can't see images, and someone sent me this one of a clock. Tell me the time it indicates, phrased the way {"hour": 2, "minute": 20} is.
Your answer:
{"hour": 11, "minute": 3}
